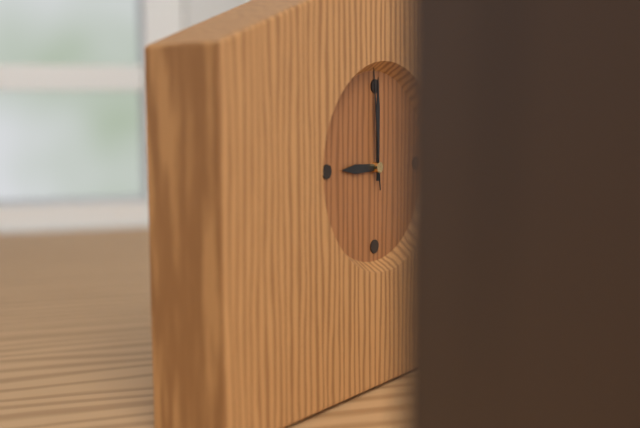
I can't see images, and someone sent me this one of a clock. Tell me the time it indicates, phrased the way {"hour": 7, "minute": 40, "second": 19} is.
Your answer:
{"hour": 9, "minute": 0, "second": 59}
